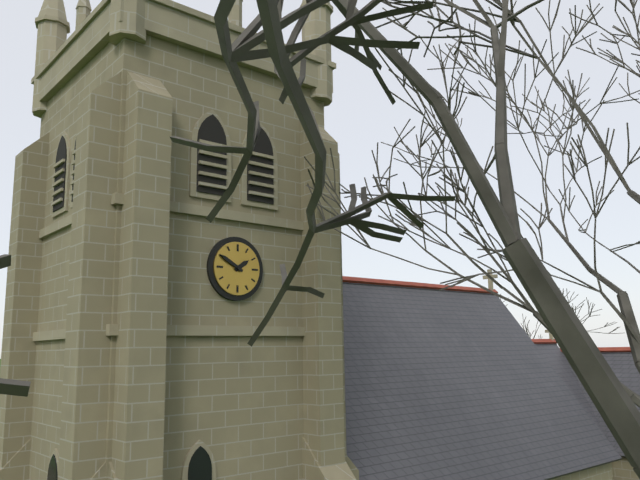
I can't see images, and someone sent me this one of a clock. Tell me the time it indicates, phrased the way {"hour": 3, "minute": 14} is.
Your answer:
{"hour": 1, "minute": 50}
